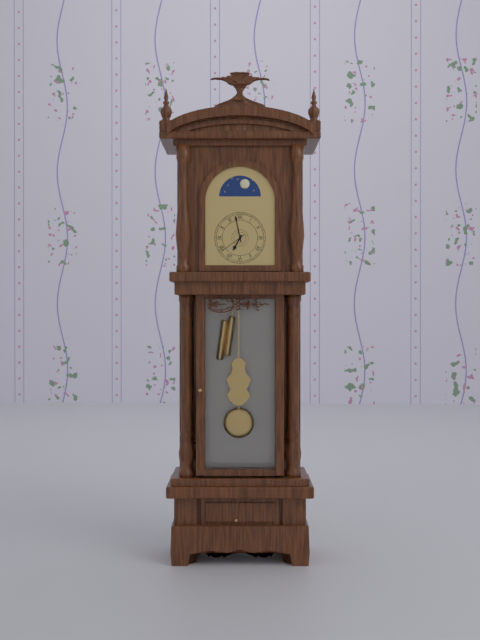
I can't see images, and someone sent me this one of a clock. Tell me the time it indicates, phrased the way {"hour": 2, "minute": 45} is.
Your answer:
{"hour": 6, "minute": 58}
